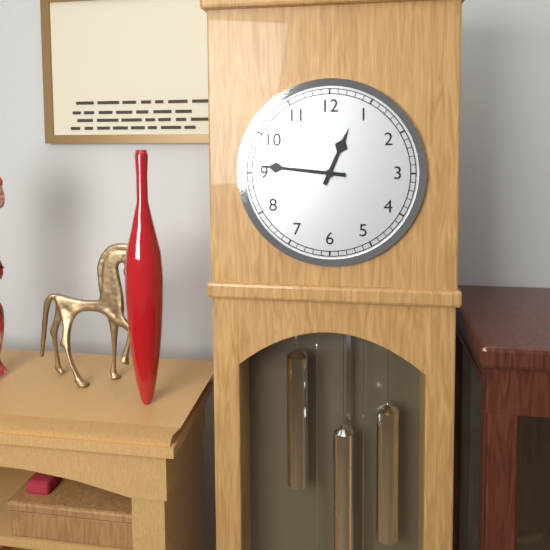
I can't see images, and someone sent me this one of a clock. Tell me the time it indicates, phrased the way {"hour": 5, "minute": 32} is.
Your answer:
{"hour": 12, "minute": 46}
